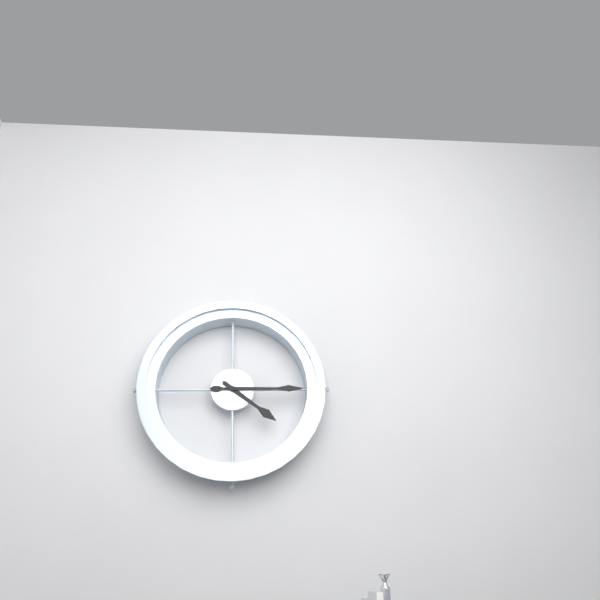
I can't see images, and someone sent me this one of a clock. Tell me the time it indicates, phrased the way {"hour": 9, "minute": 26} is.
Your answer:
{"hour": 4, "minute": 15}
